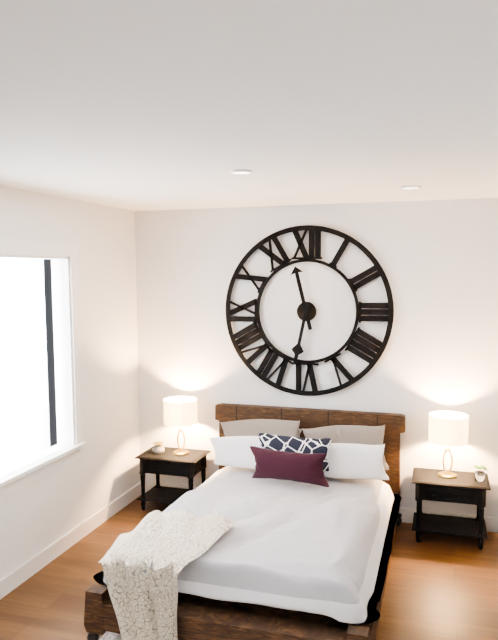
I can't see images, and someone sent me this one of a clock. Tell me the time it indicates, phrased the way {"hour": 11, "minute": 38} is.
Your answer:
{"hour": 11, "minute": 32}
